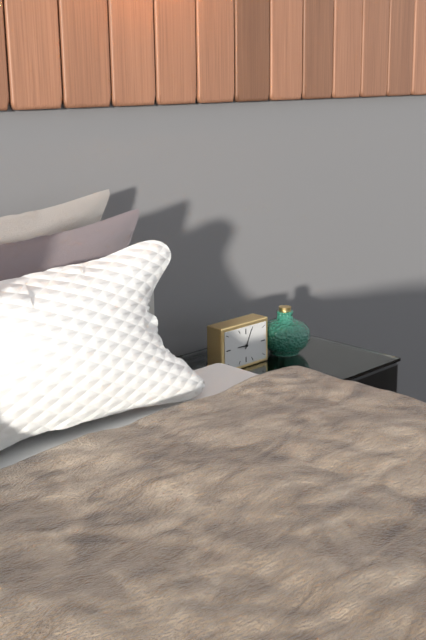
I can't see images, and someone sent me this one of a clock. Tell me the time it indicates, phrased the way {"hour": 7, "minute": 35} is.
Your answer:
{"hour": 9, "minute": 4}
